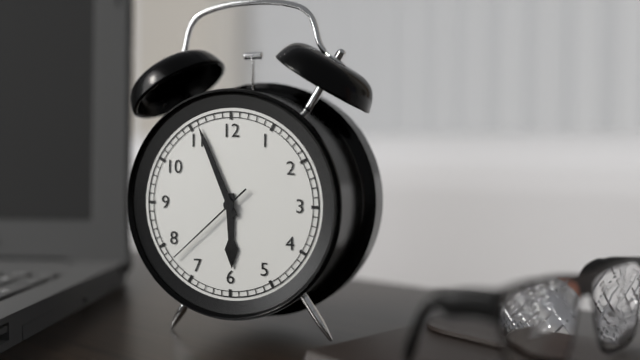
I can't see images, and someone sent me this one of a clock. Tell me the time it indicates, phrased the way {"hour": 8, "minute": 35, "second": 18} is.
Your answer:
{"hour": 5, "minute": 56, "second": 38}
